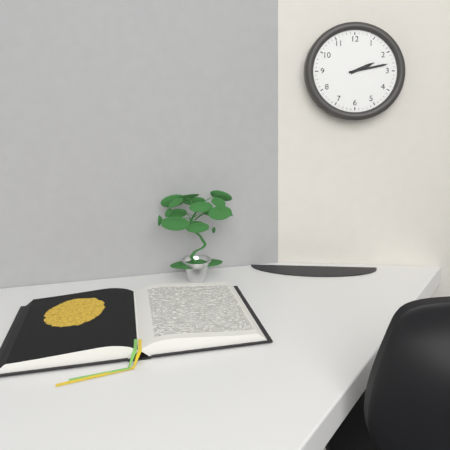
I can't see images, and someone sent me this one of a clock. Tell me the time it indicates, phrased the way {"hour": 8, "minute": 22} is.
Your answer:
{"hour": 2, "minute": 13}
